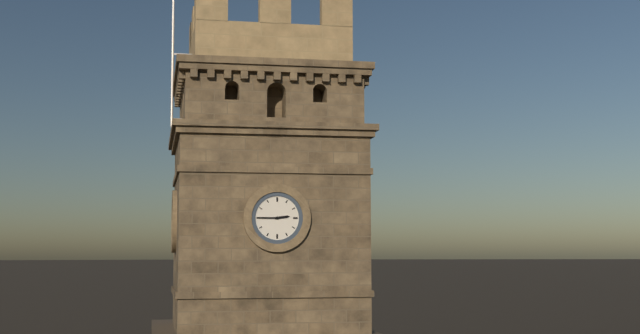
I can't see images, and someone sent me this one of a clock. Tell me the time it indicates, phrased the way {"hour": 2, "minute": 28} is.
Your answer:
{"hour": 2, "minute": 45}
